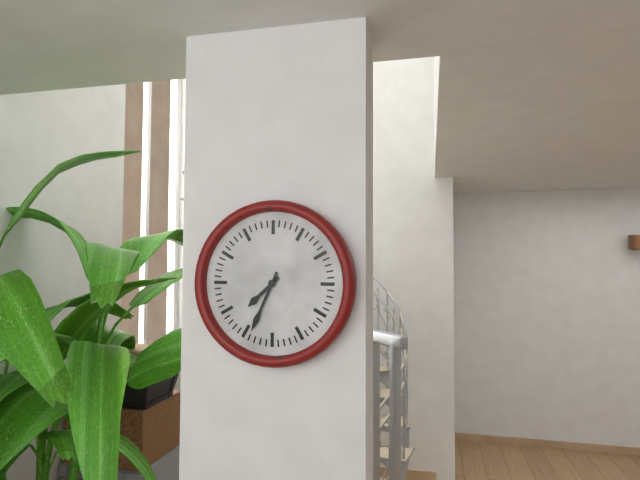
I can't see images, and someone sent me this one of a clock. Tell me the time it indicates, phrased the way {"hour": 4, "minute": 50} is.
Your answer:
{"hour": 7, "minute": 34}
